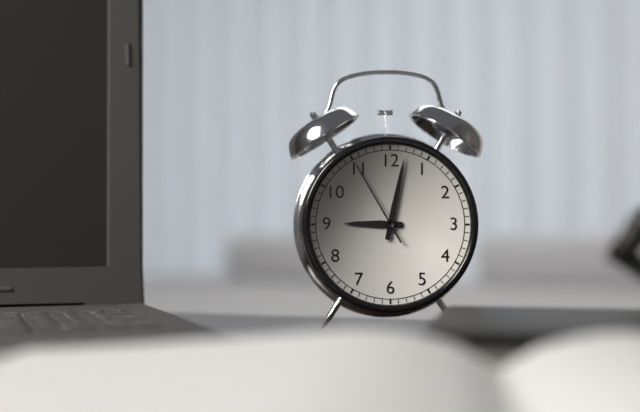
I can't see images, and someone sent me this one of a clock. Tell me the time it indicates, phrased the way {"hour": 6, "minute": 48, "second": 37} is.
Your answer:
{"hour": 9, "minute": 2, "second": 55}
